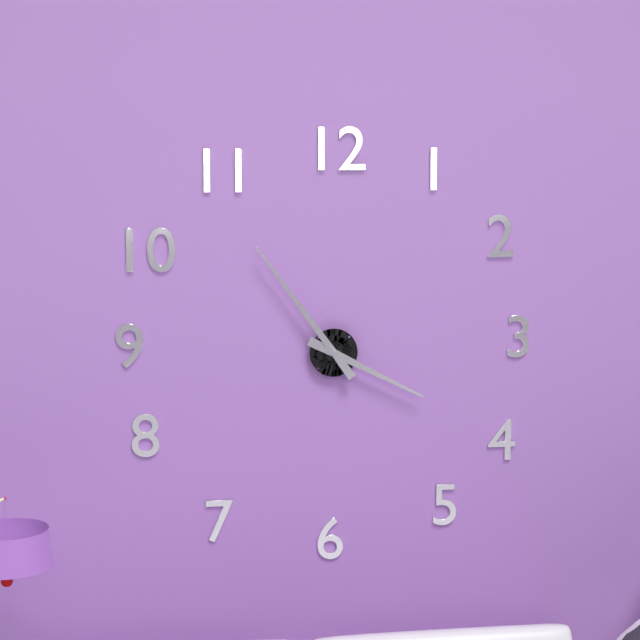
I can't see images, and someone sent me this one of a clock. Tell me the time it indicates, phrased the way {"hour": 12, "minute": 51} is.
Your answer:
{"hour": 3, "minute": 54}
